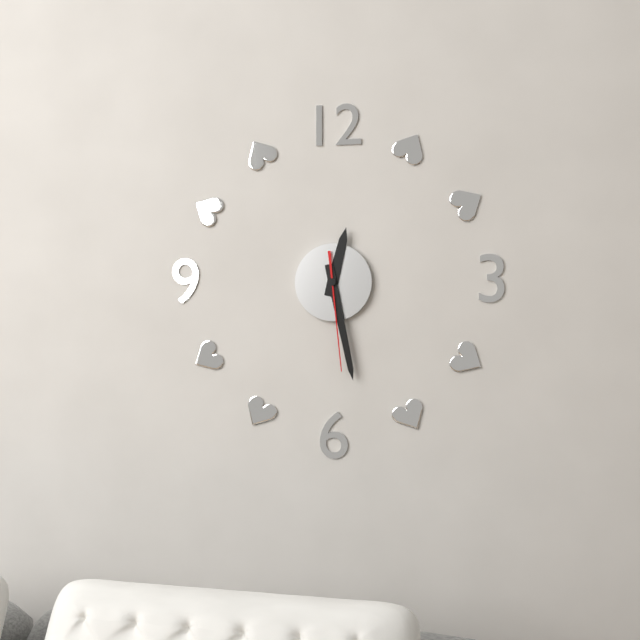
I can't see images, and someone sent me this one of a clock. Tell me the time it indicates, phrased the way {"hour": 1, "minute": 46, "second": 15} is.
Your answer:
{"hour": 12, "minute": 28, "second": 29}
